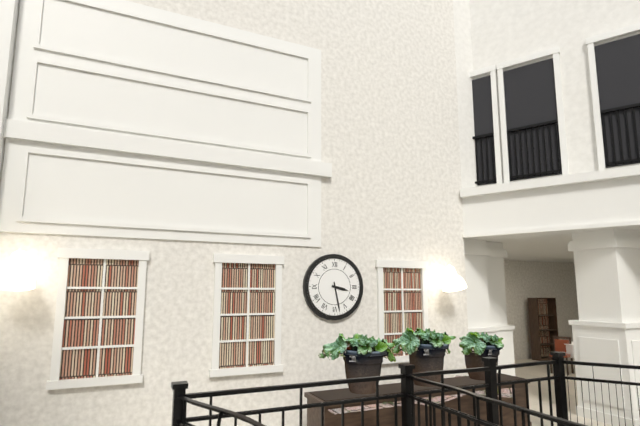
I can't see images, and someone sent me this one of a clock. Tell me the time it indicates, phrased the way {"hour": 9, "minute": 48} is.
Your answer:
{"hour": 3, "minute": 28}
